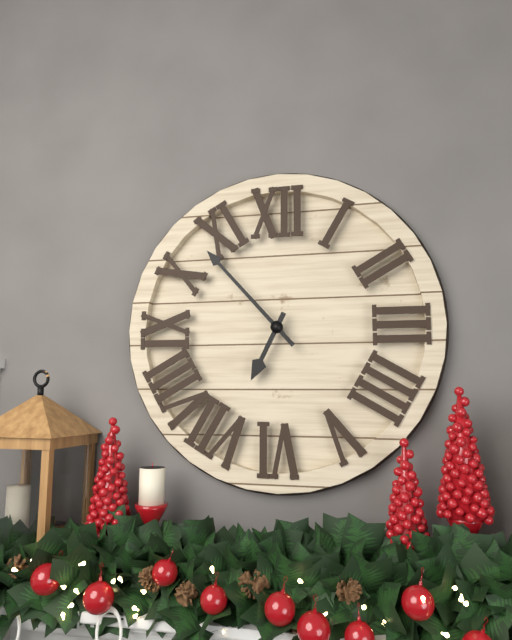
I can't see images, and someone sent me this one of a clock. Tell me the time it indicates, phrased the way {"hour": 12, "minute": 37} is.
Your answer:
{"hour": 6, "minute": 53}
